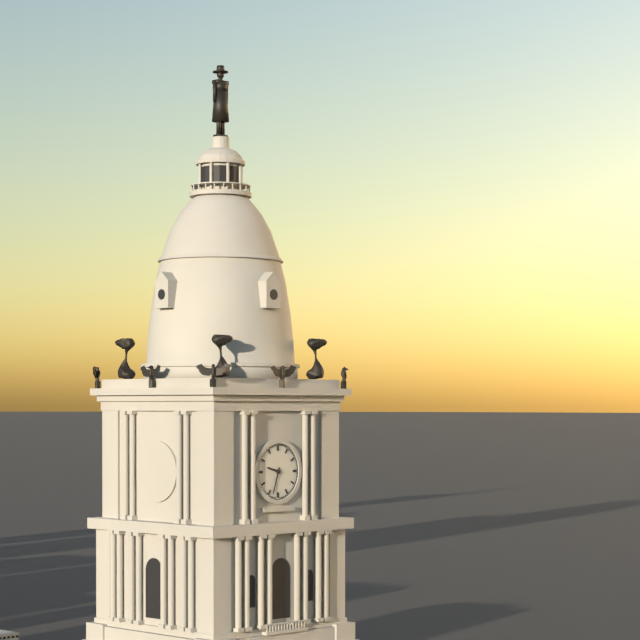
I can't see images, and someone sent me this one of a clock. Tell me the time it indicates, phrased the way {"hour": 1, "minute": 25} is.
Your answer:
{"hour": 9, "minute": 33}
